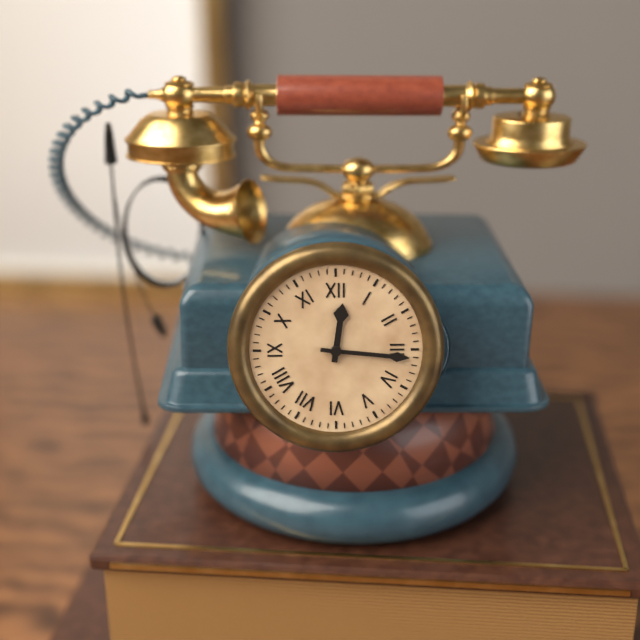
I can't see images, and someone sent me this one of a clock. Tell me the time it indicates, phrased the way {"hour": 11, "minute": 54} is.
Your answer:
{"hour": 12, "minute": 16}
